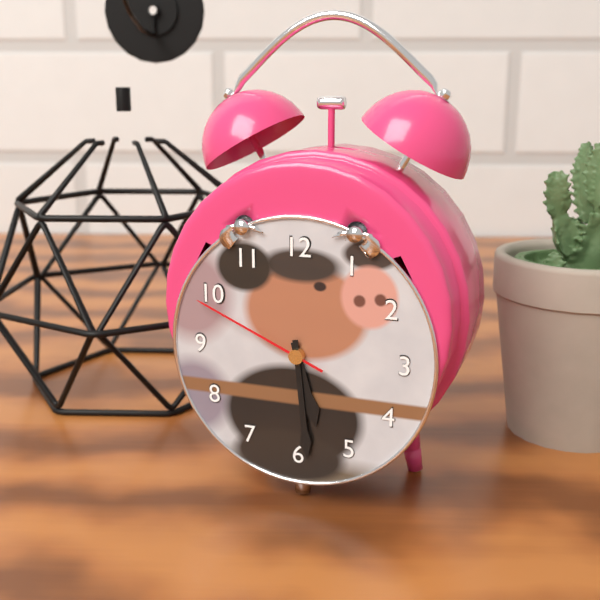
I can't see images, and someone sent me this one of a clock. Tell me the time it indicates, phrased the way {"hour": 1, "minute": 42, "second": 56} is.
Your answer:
{"hour": 5, "minute": 29, "second": 49}
